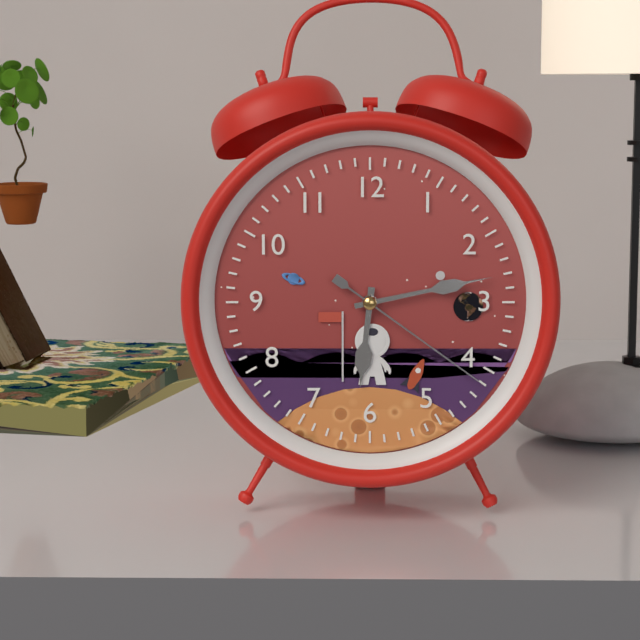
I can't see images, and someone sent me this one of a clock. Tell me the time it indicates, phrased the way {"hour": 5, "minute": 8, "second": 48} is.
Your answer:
{"hour": 6, "minute": 13, "second": 21}
